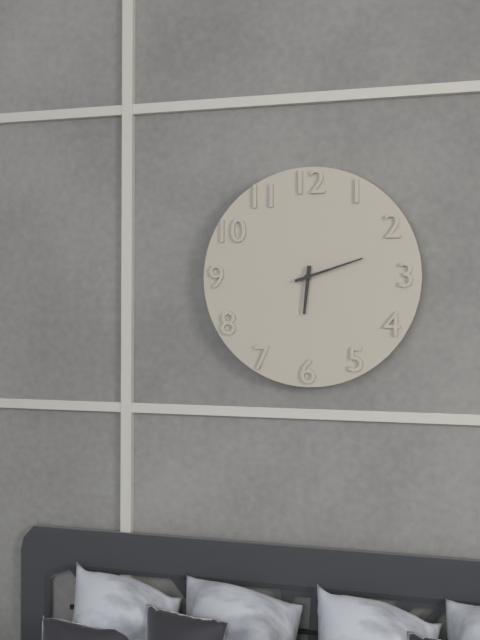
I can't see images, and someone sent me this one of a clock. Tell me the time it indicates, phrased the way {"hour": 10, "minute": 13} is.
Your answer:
{"hour": 6, "minute": 12}
